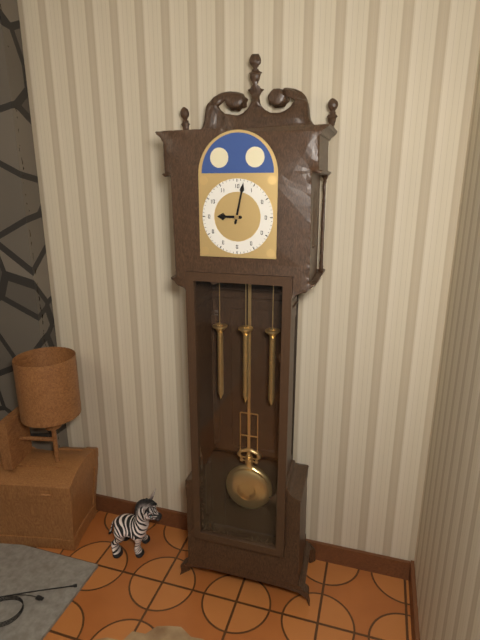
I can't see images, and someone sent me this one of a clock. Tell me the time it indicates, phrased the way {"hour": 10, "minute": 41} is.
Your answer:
{"hour": 9, "minute": 2}
